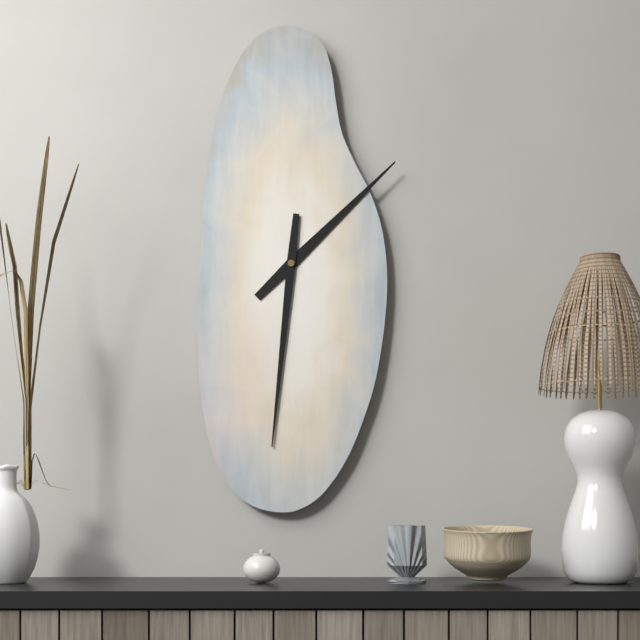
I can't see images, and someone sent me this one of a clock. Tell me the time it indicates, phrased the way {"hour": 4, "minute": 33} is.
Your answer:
{"hour": 1, "minute": 31}
